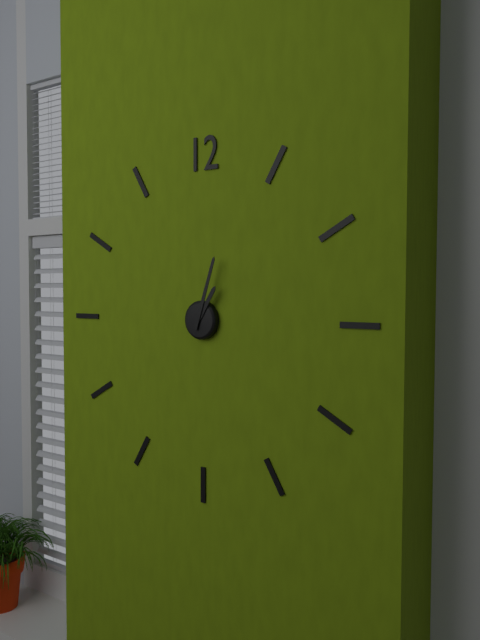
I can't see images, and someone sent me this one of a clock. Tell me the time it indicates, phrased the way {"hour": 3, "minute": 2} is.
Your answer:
{"hour": 1, "minute": 3}
